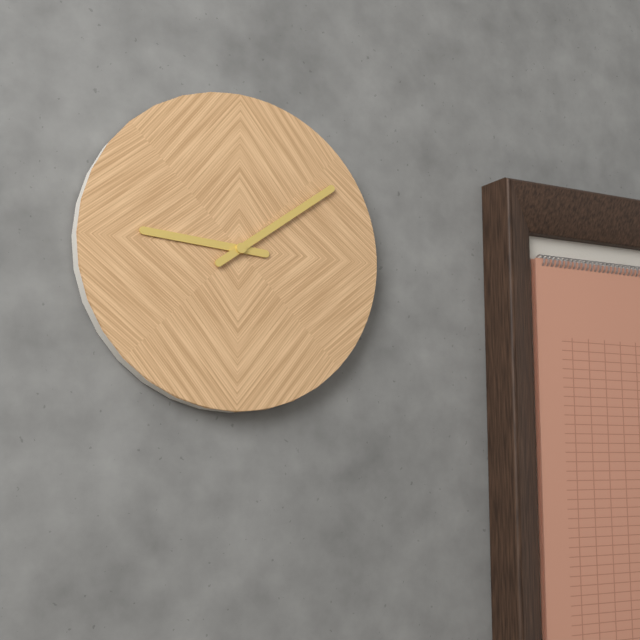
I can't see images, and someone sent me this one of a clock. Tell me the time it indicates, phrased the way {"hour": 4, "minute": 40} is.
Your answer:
{"hour": 9, "minute": 9}
